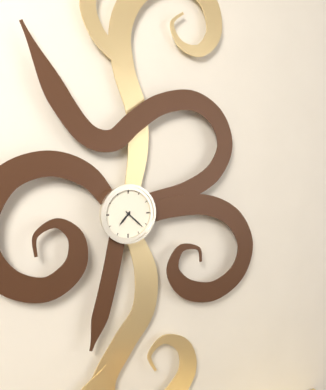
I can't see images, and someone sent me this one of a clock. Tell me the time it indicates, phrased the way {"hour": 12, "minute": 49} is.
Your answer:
{"hour": 7, "minute": 22}
